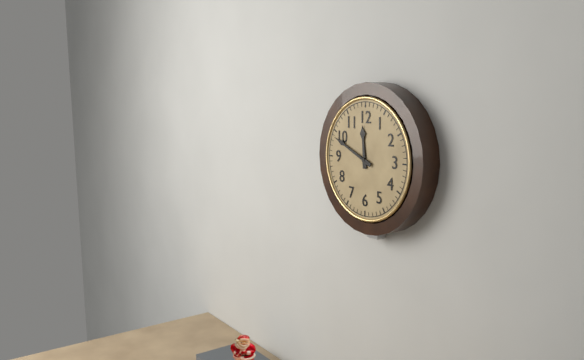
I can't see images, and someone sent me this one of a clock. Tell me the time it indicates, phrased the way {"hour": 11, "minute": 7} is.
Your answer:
{"hour": 11, "minute": 49}
